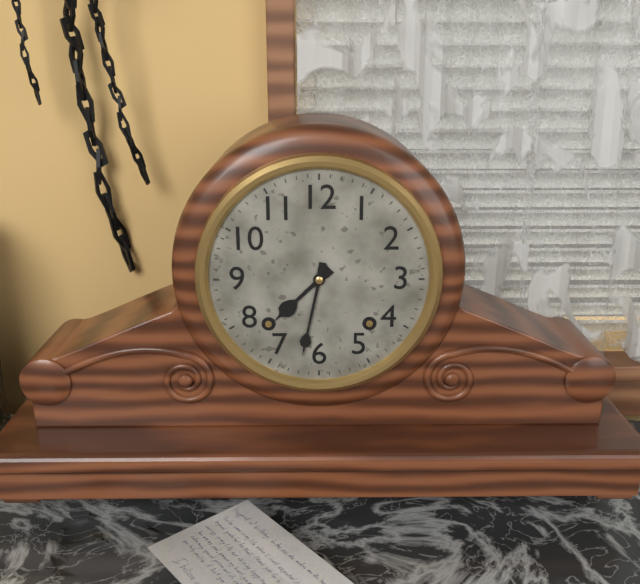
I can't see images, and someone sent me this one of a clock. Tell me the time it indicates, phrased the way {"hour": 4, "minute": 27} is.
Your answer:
{"hour": 7, "minute": 32}
